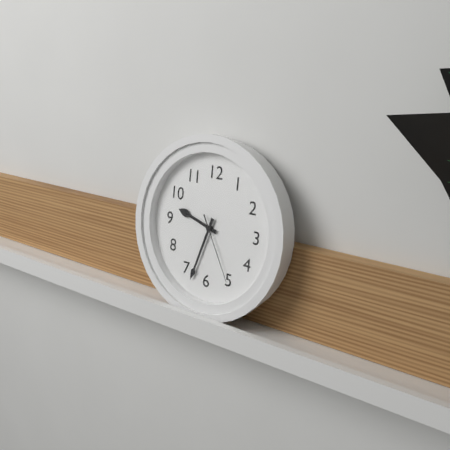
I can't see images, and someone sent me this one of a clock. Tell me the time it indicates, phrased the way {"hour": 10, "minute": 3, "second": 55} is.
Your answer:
{"hour": 9, "minute": 33, "second": 25}
